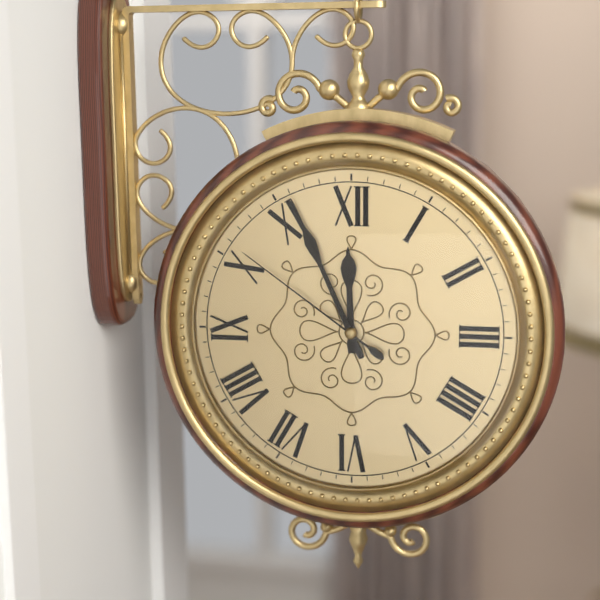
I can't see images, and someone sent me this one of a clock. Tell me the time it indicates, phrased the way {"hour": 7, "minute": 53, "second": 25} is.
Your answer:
{"hour": 11, "minute": 56, "second": 51}
